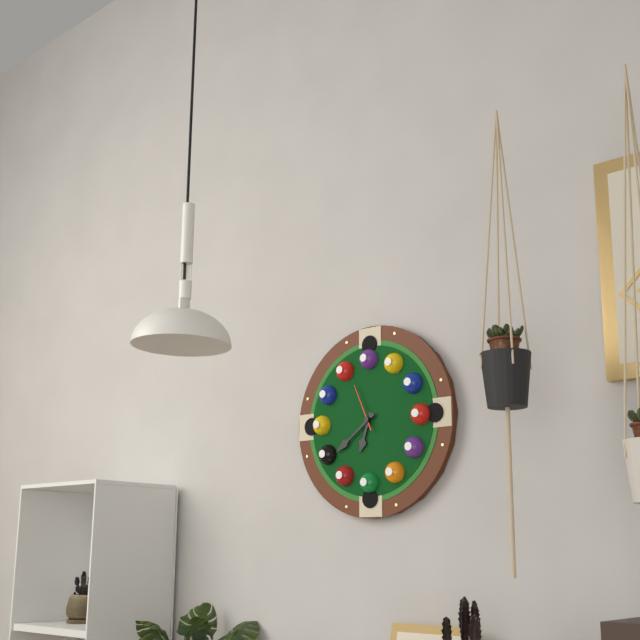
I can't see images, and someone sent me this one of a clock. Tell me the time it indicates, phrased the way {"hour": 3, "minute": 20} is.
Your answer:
{"hour": 6, "minute": 39}
